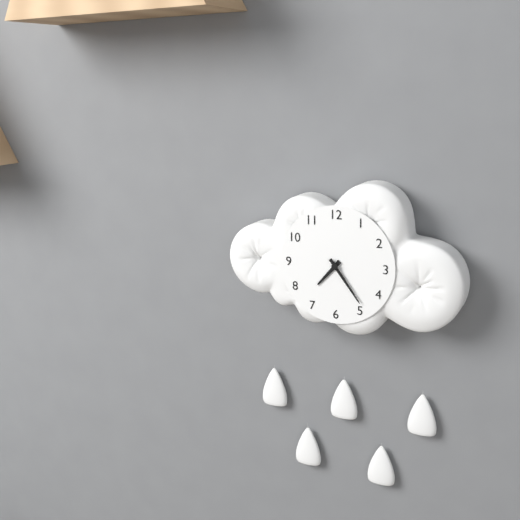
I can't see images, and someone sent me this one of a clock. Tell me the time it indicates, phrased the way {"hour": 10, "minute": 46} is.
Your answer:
{"hour": 7, "minute": 24}
